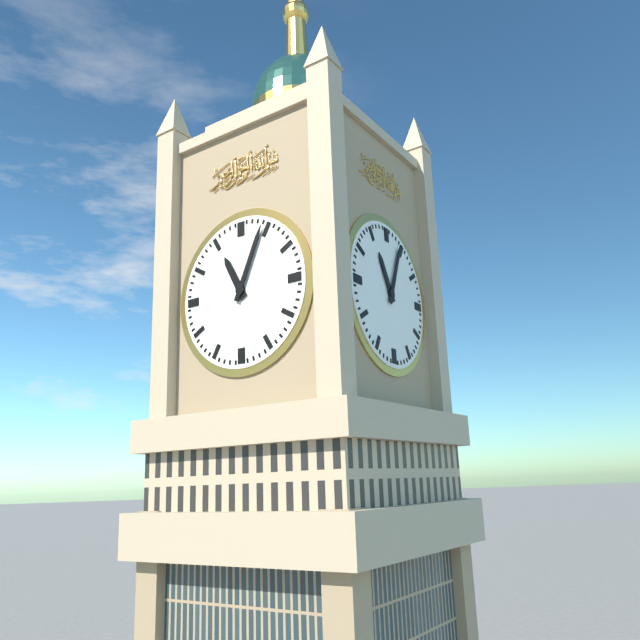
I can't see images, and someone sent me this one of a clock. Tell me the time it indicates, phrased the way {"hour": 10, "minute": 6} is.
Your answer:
{"hour": 11, "minute": 4}
